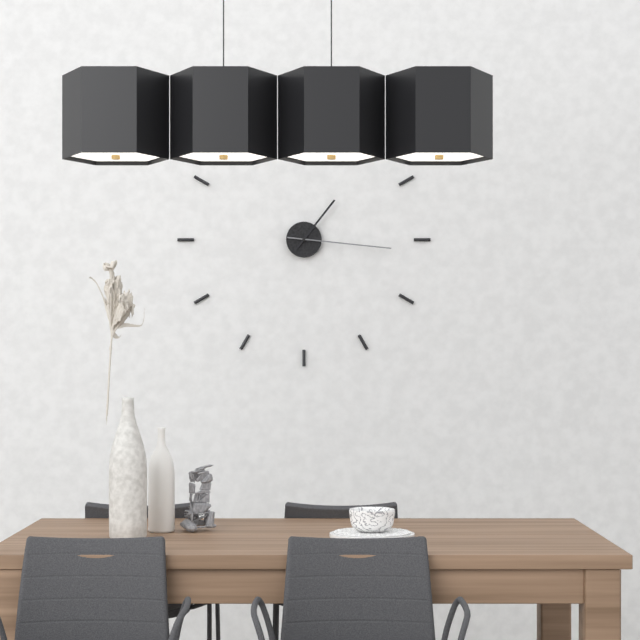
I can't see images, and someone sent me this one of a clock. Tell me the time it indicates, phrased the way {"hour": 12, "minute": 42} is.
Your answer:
{"hour": 1, "minute": 16}
